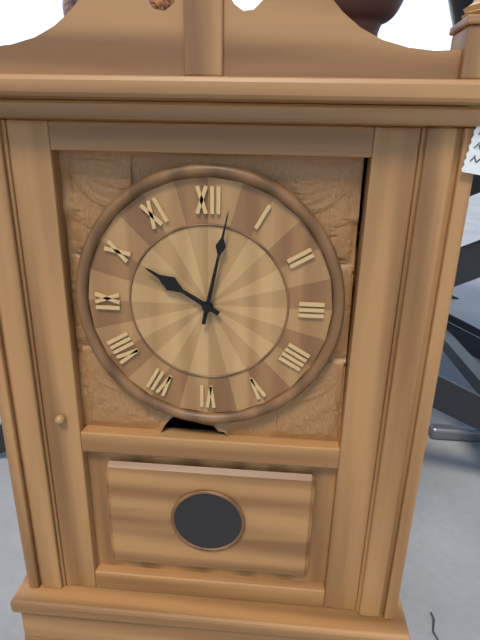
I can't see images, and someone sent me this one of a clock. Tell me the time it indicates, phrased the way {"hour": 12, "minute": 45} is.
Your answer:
{"hour": 10, "minute": 2}
